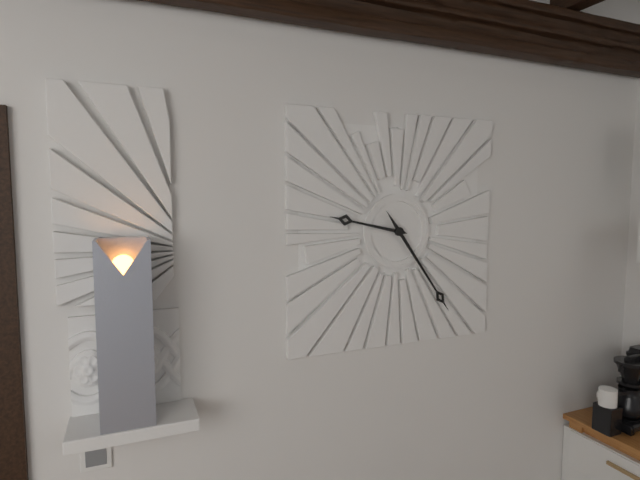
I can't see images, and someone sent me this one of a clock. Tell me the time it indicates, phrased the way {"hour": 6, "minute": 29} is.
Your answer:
{"hour": 9, "minute": 24}
